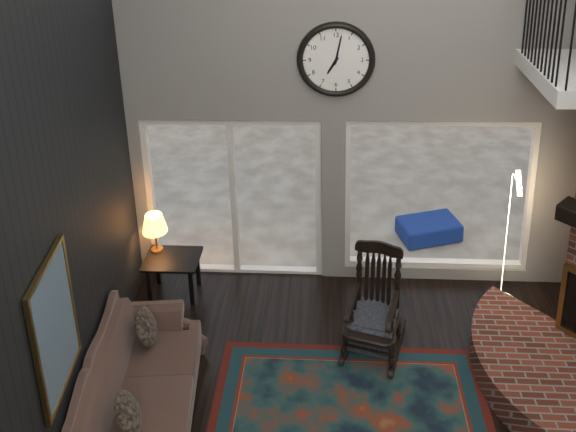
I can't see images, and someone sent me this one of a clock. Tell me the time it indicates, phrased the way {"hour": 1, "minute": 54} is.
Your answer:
{"hour": 7, "minute": 2}
